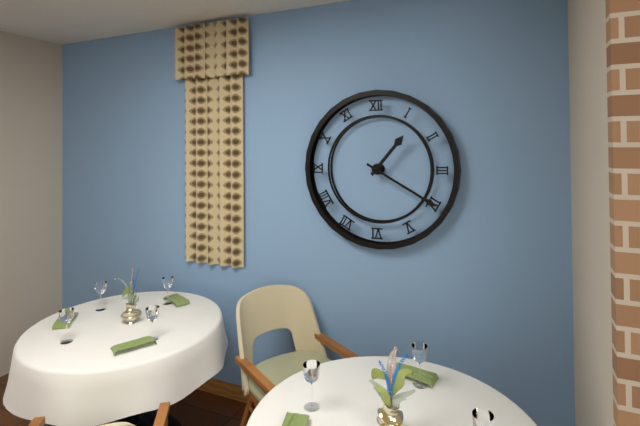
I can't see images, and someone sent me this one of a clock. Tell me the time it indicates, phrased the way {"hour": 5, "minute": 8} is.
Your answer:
{"hour": 1, "minute": 20}
